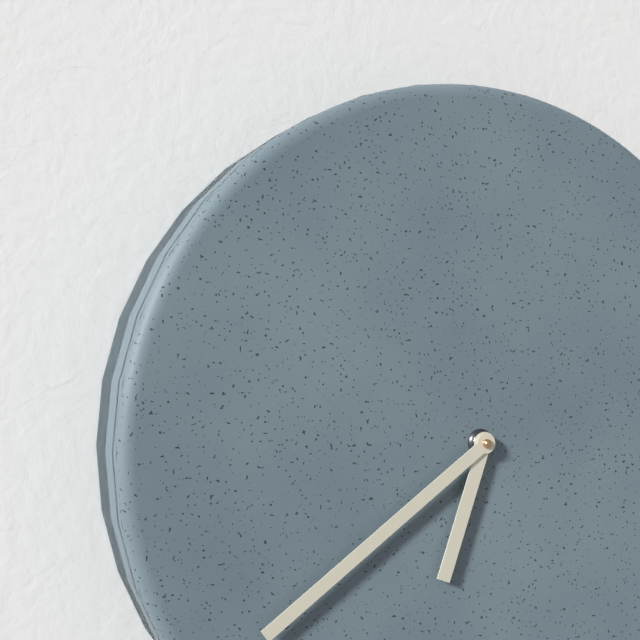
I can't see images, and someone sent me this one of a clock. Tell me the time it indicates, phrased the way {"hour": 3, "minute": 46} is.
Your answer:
{"hour": 6, "minute": 39}
